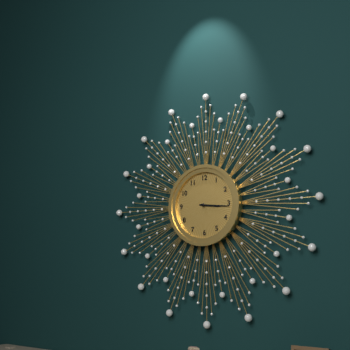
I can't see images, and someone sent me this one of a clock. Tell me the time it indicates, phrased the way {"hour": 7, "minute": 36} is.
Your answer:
{"hour": 3, "minute": 16}
